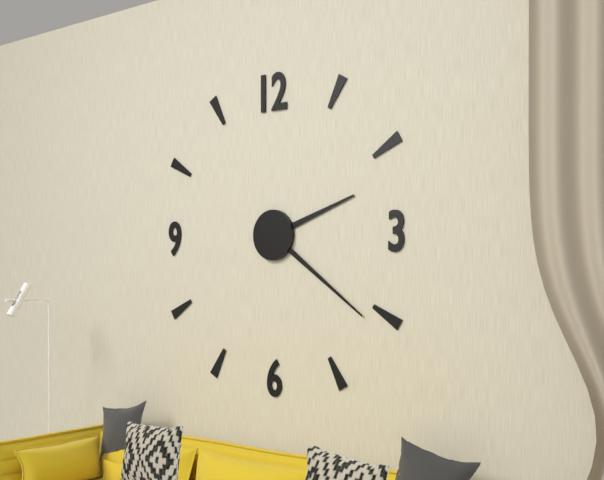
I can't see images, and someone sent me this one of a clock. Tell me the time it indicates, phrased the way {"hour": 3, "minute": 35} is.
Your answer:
{"hour": 2, "minute": 21}
